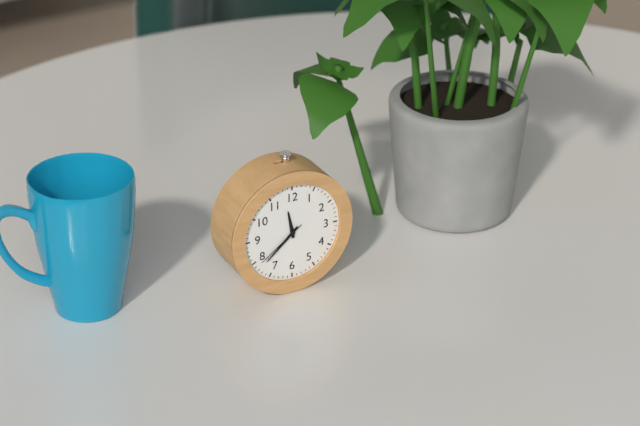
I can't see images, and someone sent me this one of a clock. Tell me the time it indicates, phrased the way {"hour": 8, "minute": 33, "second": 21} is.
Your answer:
{"hour": 11, "minute": 38, "second": 39}
